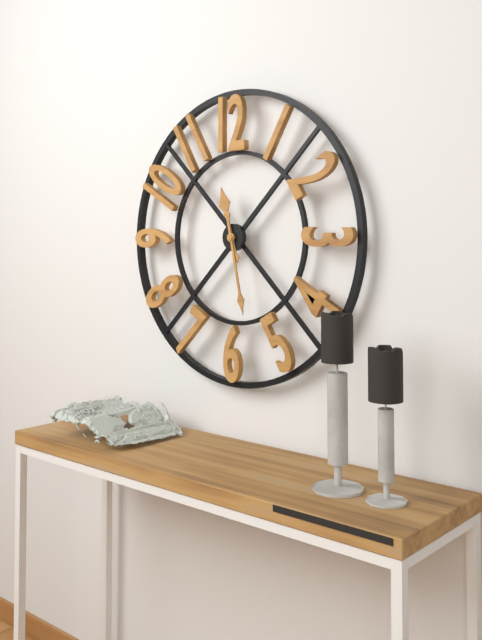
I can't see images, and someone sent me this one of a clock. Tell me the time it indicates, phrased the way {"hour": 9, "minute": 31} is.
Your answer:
{"hour": 11, "minute": 28}
